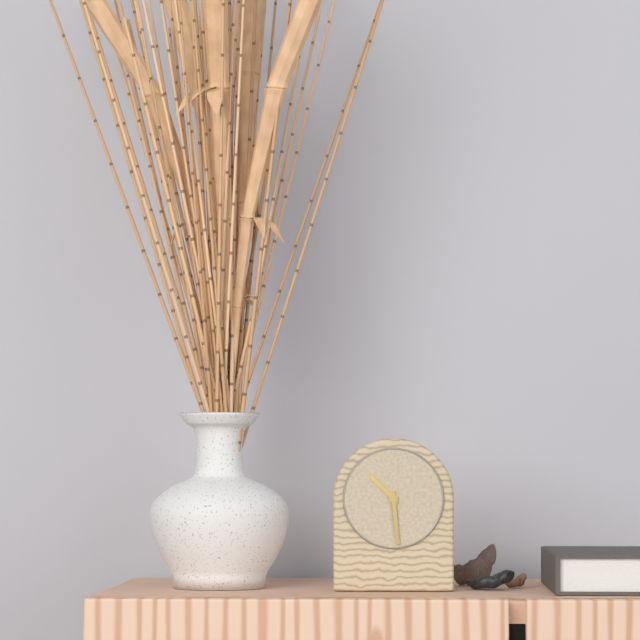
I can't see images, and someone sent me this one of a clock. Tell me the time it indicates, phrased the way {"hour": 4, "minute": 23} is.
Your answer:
{"hour": 10, "minute": 29}
